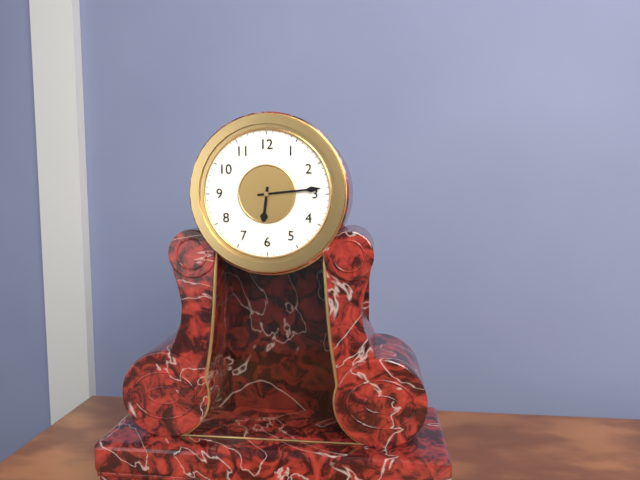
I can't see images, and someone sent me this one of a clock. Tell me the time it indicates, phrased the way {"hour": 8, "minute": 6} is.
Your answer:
{"hour": 6, "minute": 14}
